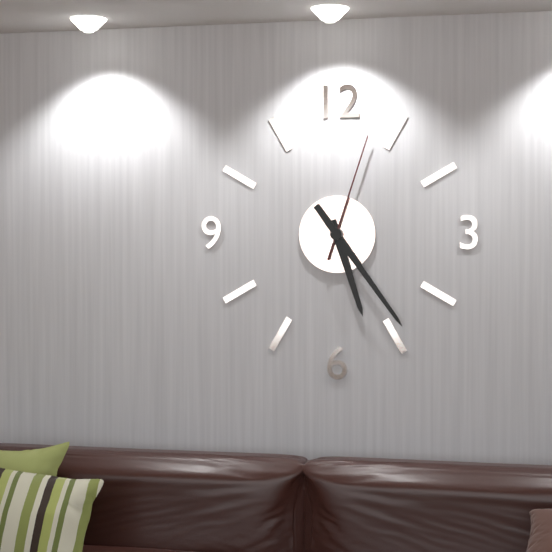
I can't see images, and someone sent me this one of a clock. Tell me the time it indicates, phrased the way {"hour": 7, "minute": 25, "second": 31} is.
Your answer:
{"hour": 5, "minute": 24, "second": 3}
